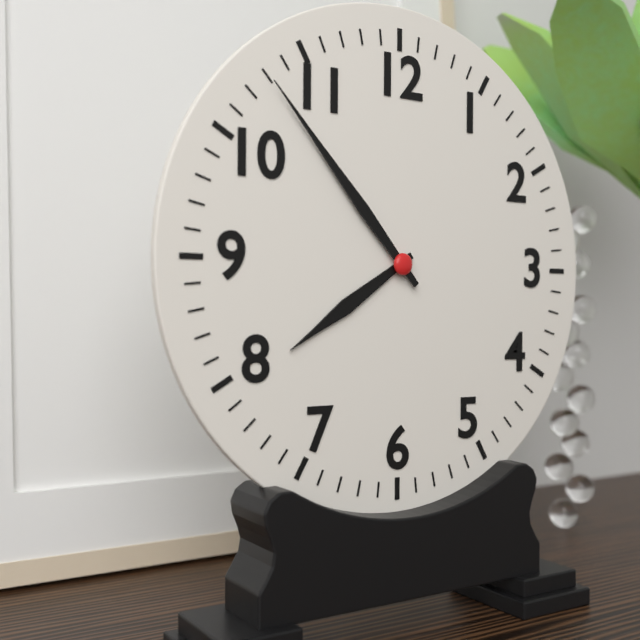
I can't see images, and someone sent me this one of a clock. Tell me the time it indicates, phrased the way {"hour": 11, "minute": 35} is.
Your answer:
{"hour": 7, "minute": 53}
